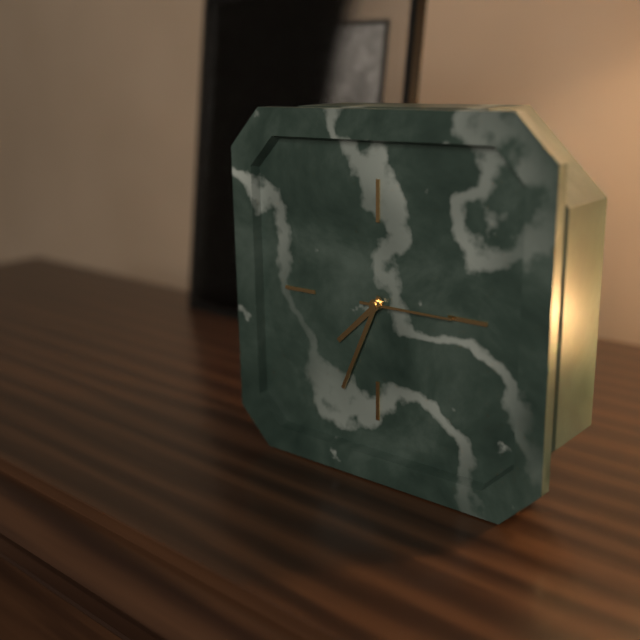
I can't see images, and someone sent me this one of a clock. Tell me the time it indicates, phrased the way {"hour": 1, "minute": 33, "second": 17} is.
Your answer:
{"hour": 7, "minute": 34, "second": 15}
